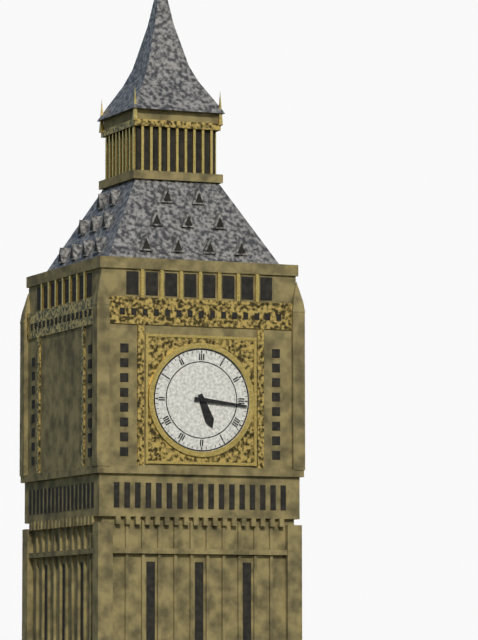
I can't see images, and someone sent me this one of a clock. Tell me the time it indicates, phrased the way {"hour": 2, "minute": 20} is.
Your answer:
{"hour": 5, "minute": 16}
